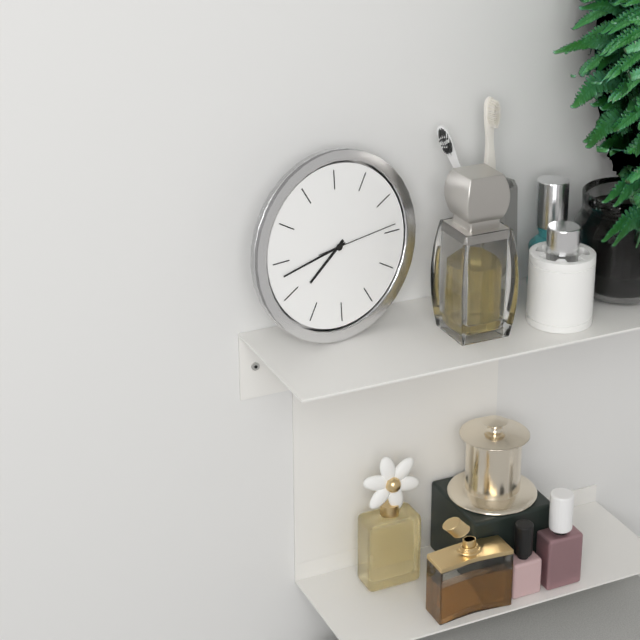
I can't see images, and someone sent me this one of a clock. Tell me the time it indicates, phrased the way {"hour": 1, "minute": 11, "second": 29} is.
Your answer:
{"hour": 7, "minute": 43, "second": 14}
